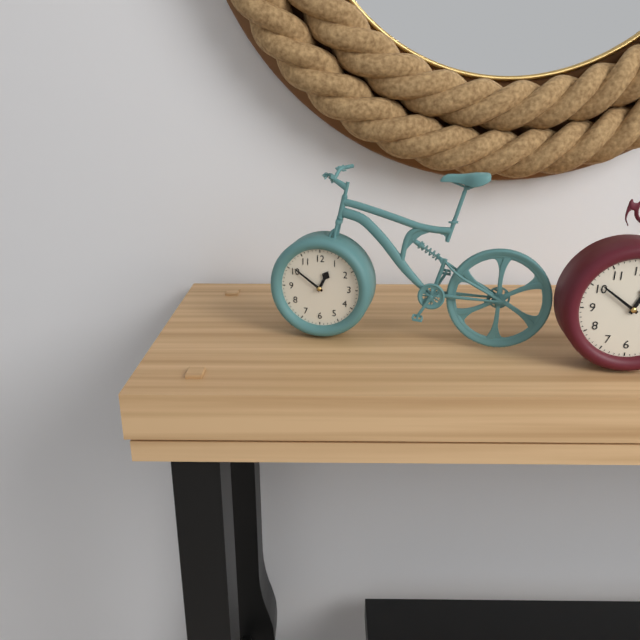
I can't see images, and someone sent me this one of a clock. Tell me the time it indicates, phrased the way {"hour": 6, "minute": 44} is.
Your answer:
{"hour": 12, "minute": 51}
